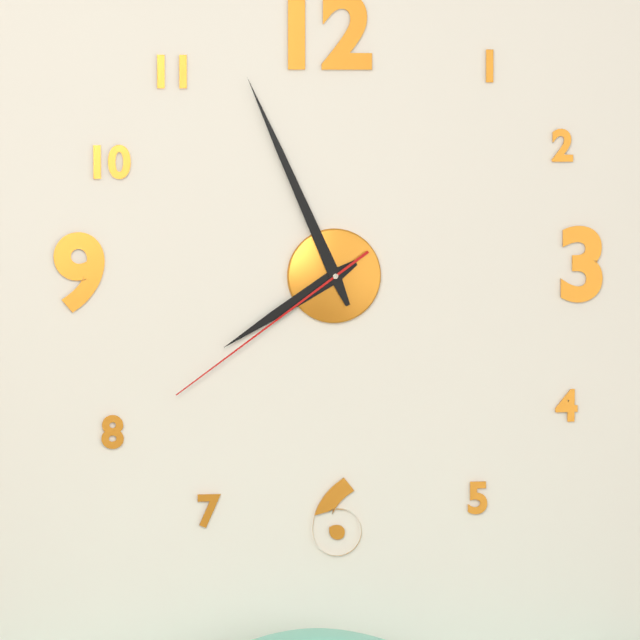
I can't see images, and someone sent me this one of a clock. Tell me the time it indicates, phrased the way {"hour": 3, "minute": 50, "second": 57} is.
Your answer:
{"hour": 7, "minute": 56, "second": 39}
